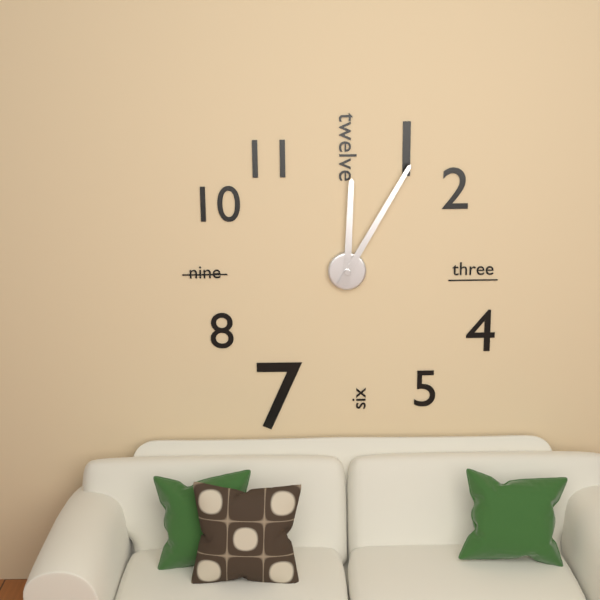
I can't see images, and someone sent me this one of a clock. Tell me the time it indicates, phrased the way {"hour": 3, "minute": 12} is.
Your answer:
{"hour": 12, "minute": 5}
